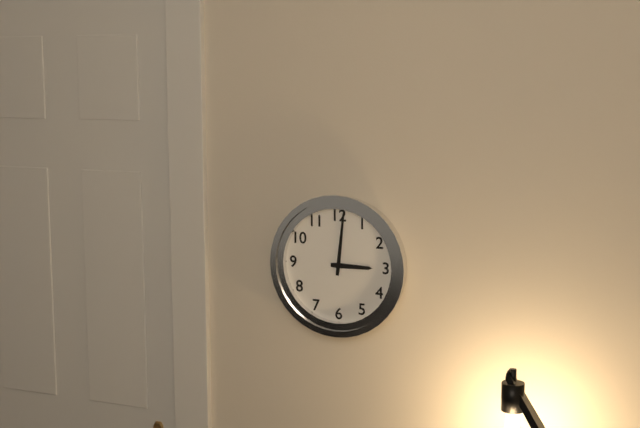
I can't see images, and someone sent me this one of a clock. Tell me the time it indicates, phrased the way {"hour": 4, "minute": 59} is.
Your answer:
{"hour": 3, "minute": 1}
